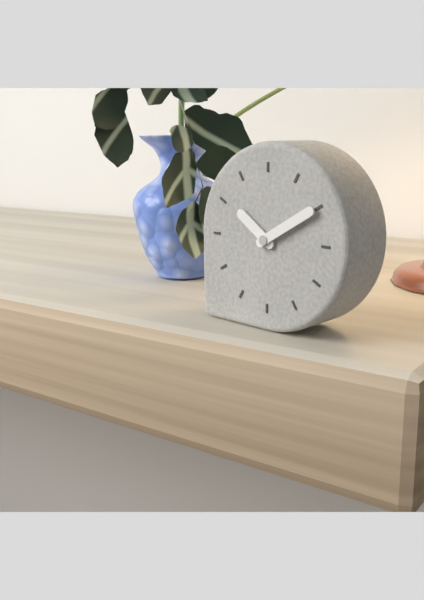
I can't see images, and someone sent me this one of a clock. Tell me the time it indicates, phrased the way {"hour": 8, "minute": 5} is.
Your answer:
{"hour": 10, "minute": 10}
